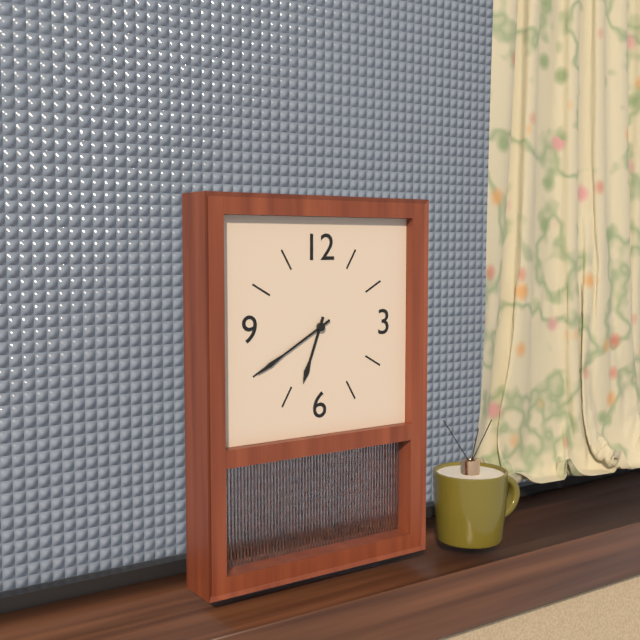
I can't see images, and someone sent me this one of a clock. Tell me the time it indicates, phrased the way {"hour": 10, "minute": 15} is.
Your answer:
{"hour": 6, "minute": 40}
